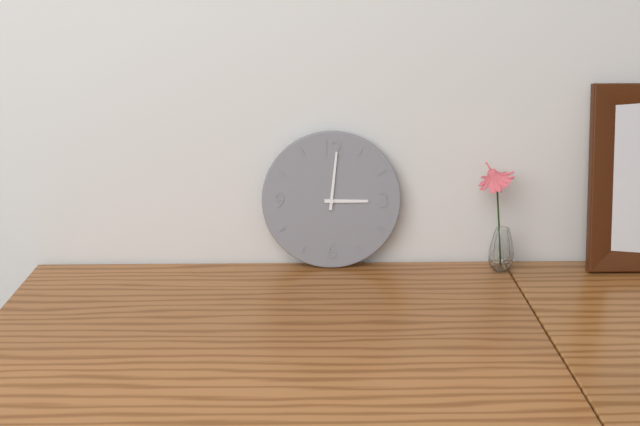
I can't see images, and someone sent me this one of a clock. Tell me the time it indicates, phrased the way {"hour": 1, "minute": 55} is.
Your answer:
{"hour": 3, "minute": 1}
